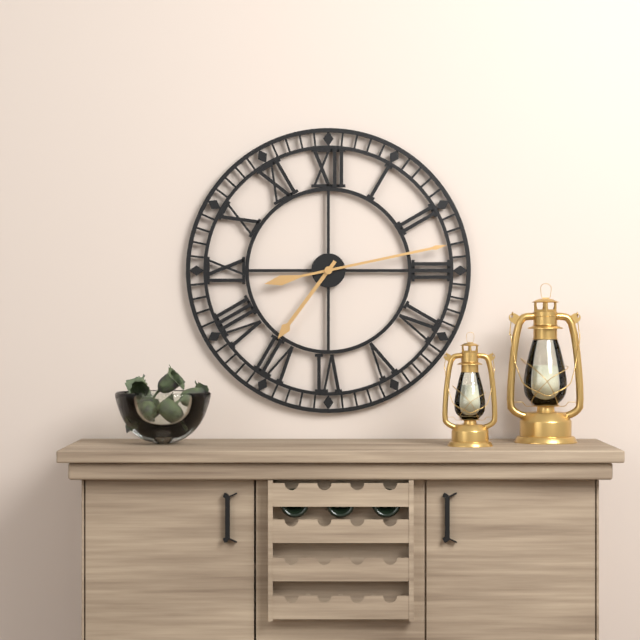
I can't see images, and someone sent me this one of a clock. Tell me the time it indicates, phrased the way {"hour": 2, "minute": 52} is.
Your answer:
{"hour": 7, "minute": 13}
